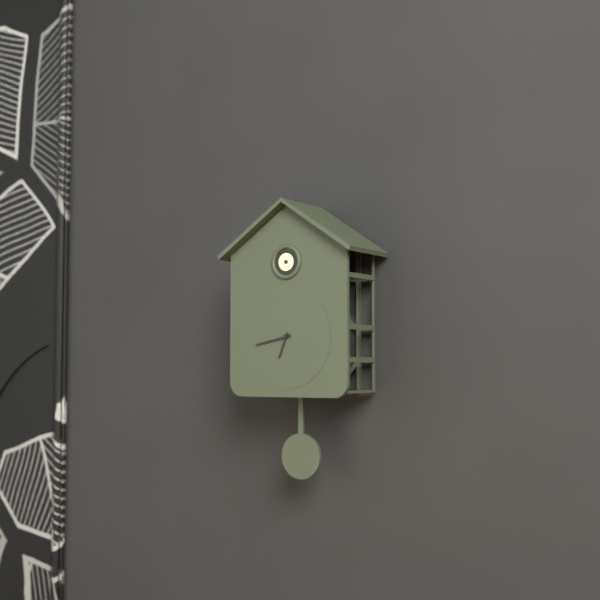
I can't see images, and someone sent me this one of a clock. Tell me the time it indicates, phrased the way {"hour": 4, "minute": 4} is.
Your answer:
{"hour": 6, "minute": 43}
